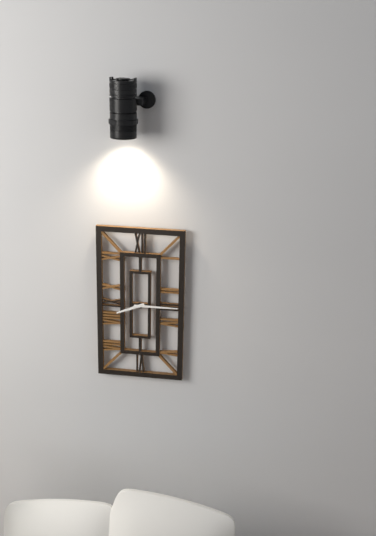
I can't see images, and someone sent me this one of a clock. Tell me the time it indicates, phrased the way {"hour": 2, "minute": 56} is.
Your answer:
{"hour": 8, "minute": 15}
